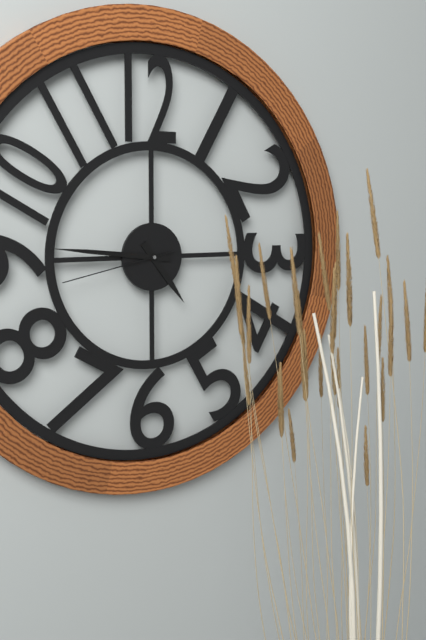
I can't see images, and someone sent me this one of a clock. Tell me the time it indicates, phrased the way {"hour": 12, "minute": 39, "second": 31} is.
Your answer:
{"hour": 4, "minute": 46, "second": 43}
